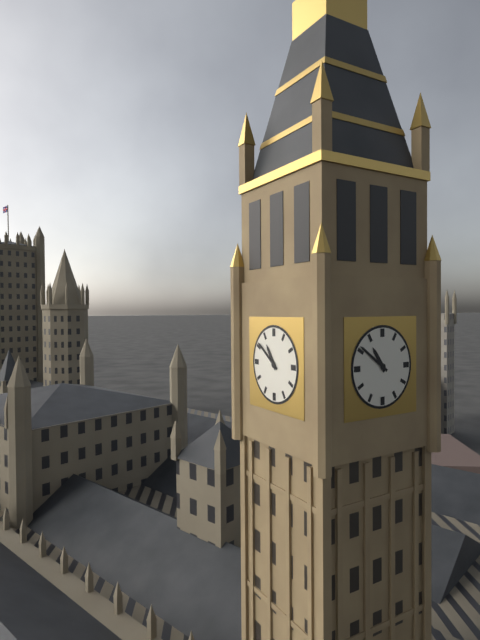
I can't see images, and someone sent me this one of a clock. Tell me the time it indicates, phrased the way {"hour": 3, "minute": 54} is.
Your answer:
{"hour": 10, "minute": 51}
